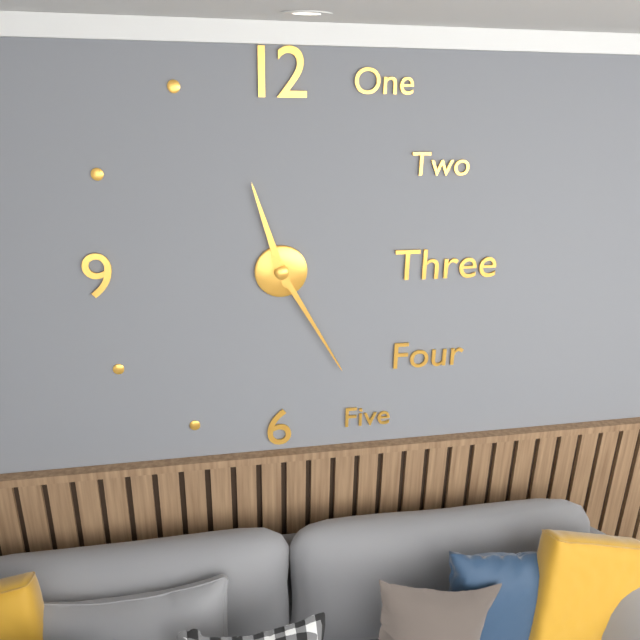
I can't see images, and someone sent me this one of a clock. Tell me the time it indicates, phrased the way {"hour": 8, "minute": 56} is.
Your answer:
{"hour": 11, "minute": 25}
